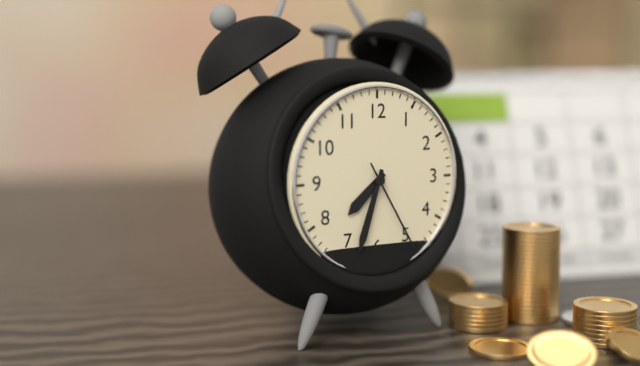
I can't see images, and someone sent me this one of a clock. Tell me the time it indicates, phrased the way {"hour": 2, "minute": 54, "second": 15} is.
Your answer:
{"hour": 7, "minute": 33, "second": 25}
